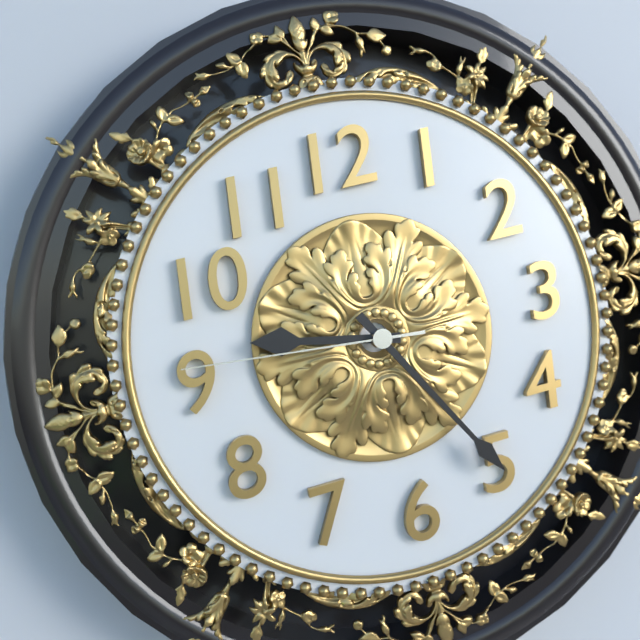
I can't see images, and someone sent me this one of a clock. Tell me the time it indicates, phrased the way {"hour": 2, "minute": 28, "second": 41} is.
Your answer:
{"hour": 9, "minute": 25, "second": 46}
